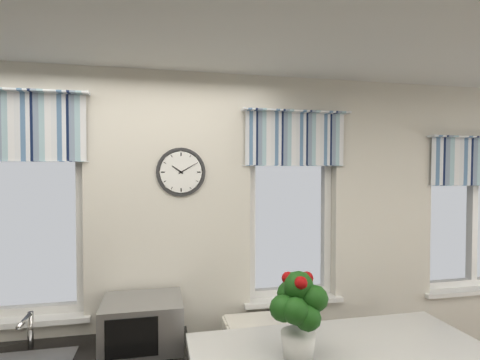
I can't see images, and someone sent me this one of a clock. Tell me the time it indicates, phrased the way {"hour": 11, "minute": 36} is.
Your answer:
{"hour": 10, "minute": 10}
